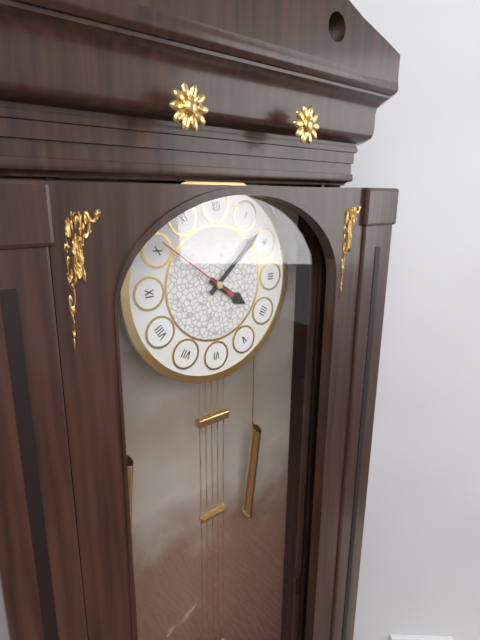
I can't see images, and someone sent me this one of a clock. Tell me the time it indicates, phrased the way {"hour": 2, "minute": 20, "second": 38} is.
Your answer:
{"hour": 4, "minute": 8, "second": 51}
